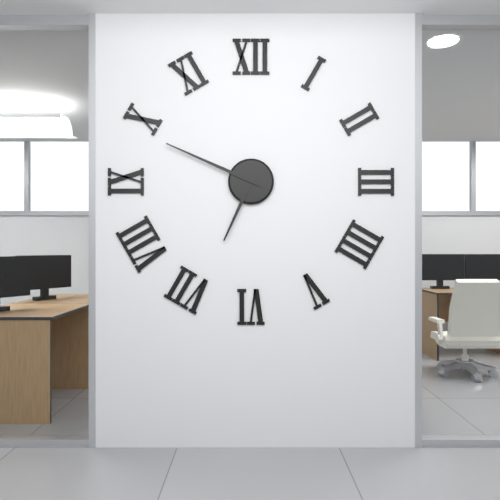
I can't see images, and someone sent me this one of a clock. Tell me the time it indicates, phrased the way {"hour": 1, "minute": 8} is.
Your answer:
{"hour": 6, "minute": 49}
